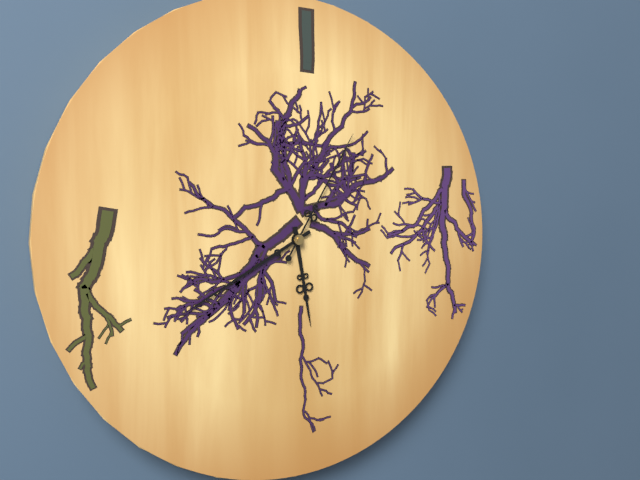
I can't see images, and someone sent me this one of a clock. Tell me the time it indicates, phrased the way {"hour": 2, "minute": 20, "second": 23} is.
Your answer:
{"hour": 5, "minute": 40, "second": 5}
